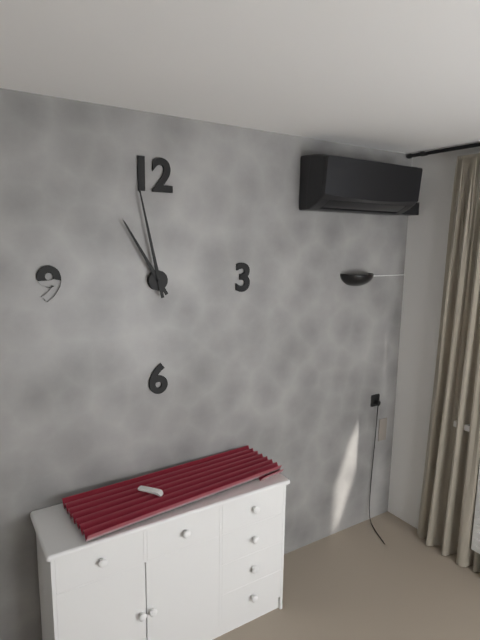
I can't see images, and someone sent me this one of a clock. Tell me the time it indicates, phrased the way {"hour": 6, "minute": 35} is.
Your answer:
{"hour": 10, "minute": 58}
